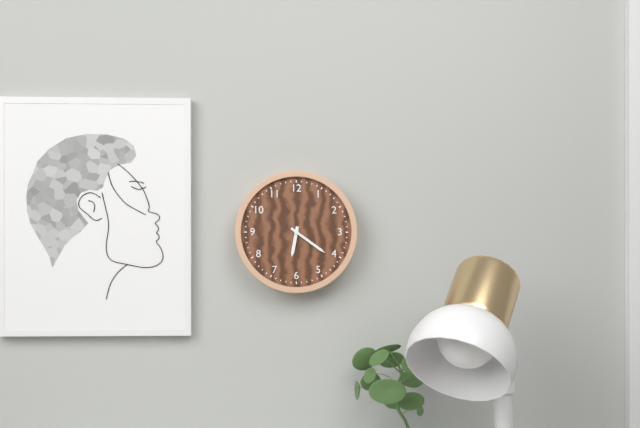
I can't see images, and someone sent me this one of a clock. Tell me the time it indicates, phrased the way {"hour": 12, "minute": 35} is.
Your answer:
{"hour": 6, "minute": 21}
